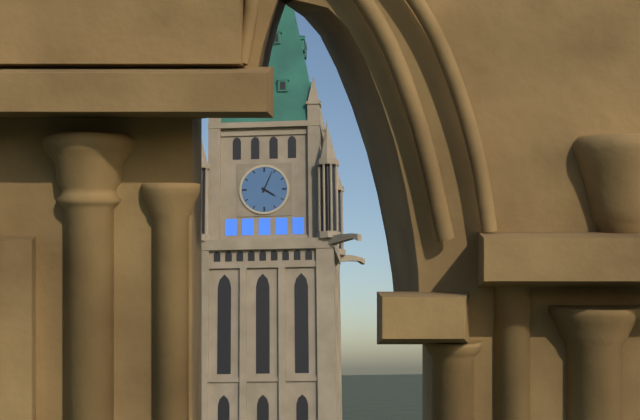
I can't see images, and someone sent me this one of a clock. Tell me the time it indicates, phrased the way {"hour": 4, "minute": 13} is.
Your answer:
{"hour": 4, "minute": 4}
